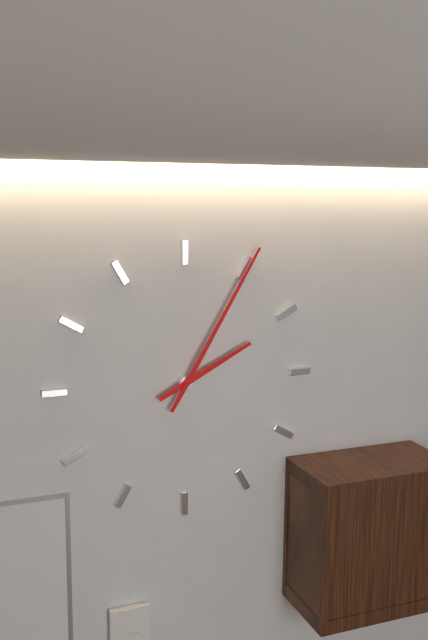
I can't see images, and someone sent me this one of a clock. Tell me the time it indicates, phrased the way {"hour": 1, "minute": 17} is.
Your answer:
{"hour": 2, "minute": 5}
